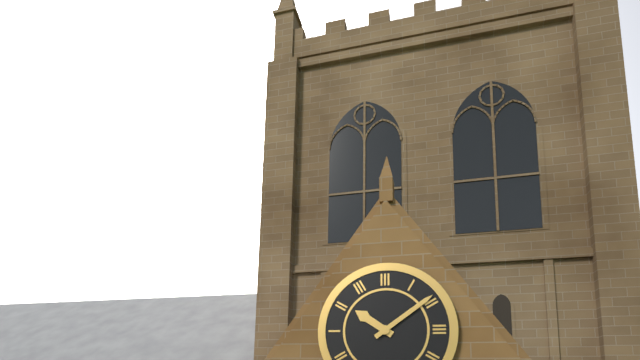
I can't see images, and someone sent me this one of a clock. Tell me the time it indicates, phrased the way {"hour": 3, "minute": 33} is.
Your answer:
{"hour": 10, "minute": 9}
